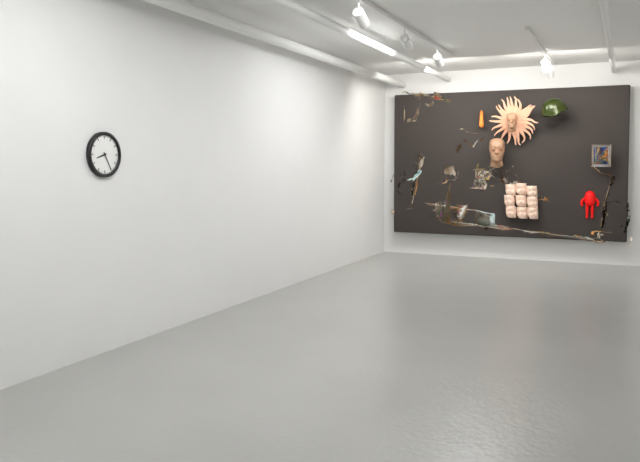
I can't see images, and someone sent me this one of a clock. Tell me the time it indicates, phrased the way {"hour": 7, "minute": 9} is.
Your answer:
{"hour": 8, "minute": 25}
